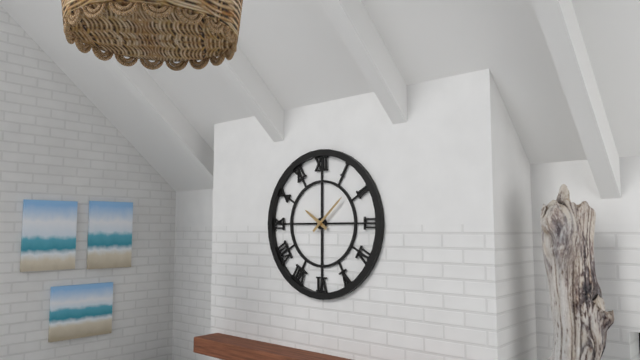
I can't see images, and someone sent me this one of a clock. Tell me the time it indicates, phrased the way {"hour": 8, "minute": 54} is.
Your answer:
{"hour": 10, "minute": 8}
